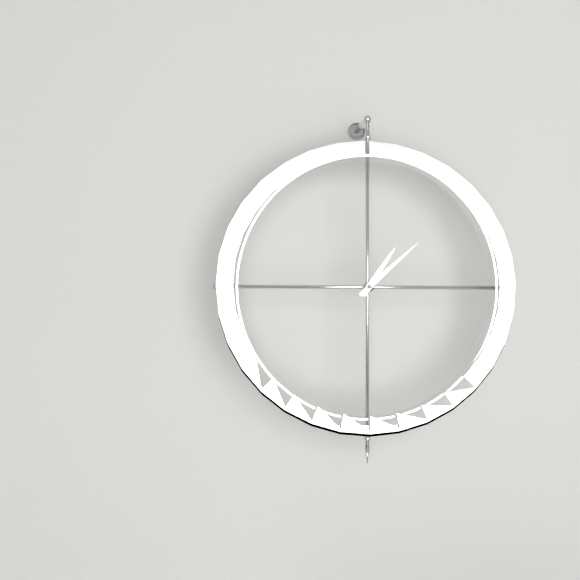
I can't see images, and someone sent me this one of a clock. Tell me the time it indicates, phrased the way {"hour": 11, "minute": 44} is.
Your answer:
{"hour": 1, "minute": 8}
